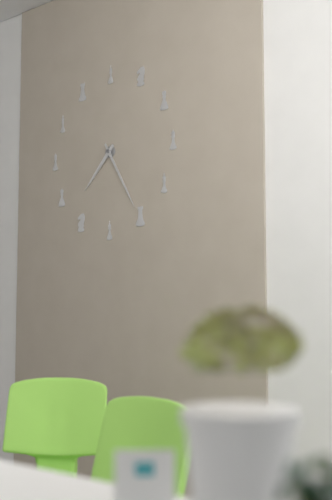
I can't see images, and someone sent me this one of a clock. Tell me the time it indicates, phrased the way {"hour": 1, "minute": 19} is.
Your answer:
{"hour": 7, "minute": 25}
